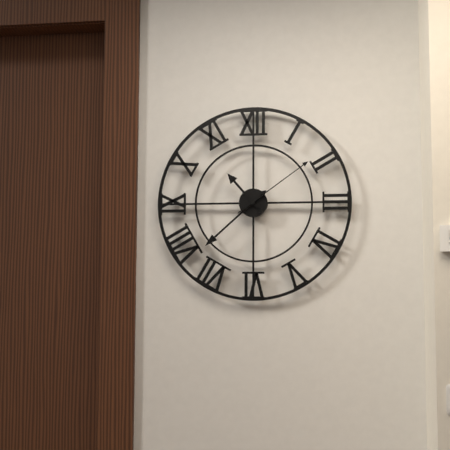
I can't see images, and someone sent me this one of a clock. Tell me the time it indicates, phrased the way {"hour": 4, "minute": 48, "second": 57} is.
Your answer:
{"hour": 10, "minute": 38, "second": 9}
